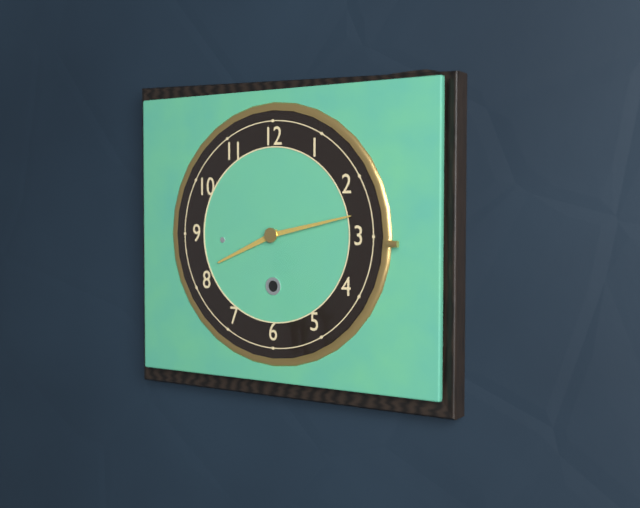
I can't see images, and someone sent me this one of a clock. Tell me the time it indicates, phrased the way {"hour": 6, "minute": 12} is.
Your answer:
{"hour": 8, "minute": 13}
